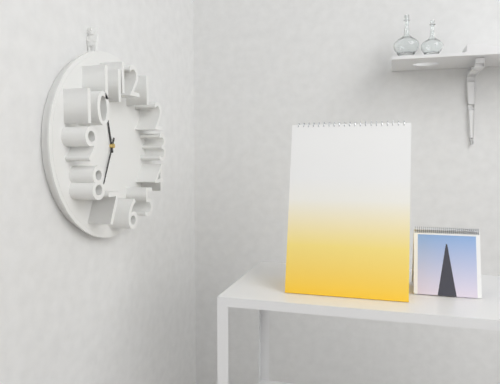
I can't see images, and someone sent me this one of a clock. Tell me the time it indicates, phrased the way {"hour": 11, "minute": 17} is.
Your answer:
{"hour": 11, "minute": 34}
